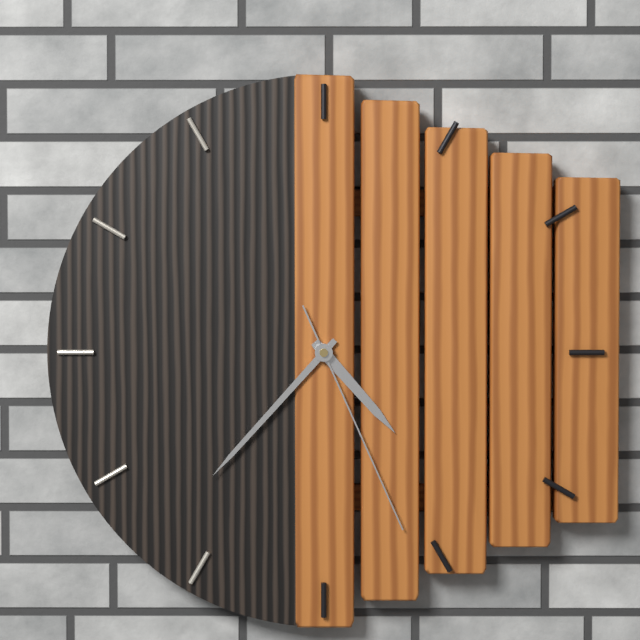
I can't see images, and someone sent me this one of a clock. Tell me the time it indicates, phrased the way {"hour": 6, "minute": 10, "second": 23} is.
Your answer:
{"hour": 4, "minute": 37, "second": 26}
